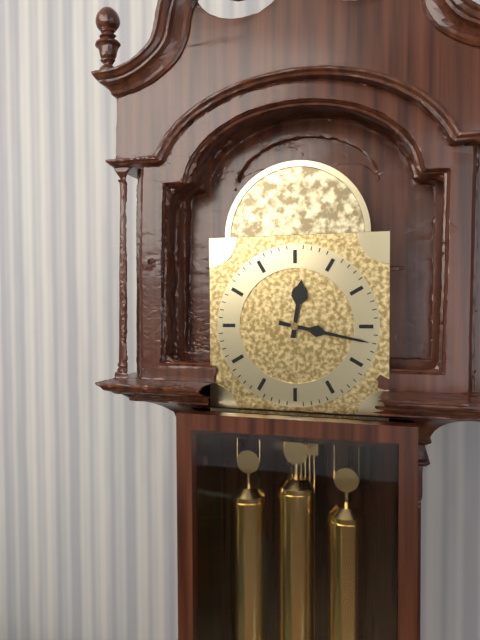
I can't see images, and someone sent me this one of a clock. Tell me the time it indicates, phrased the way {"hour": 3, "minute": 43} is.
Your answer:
{"hour": 12, "minute": 17}
